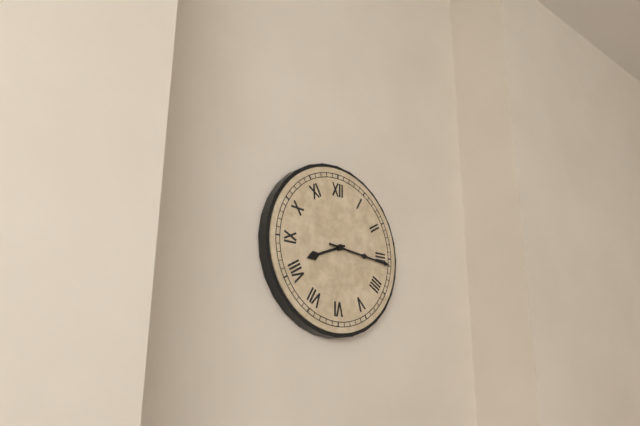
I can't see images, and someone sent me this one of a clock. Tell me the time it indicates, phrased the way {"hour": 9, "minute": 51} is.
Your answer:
{"hour": 8, "minute": 16}
